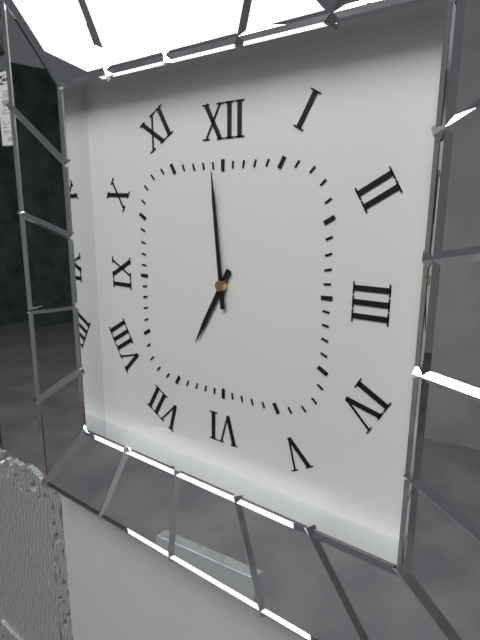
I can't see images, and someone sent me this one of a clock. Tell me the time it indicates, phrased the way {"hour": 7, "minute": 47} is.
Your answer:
{"hour": 6, "minute": 59}
